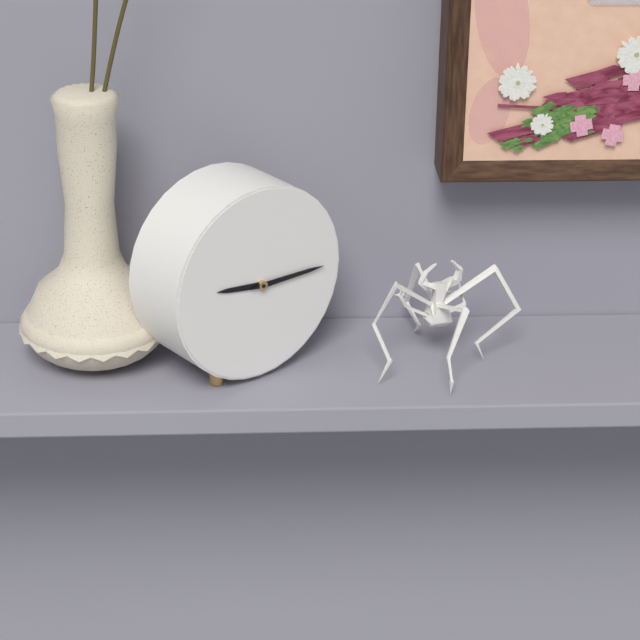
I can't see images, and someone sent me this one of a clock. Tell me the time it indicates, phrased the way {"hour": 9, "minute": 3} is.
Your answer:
{"hour": 9, "minute": 15}
